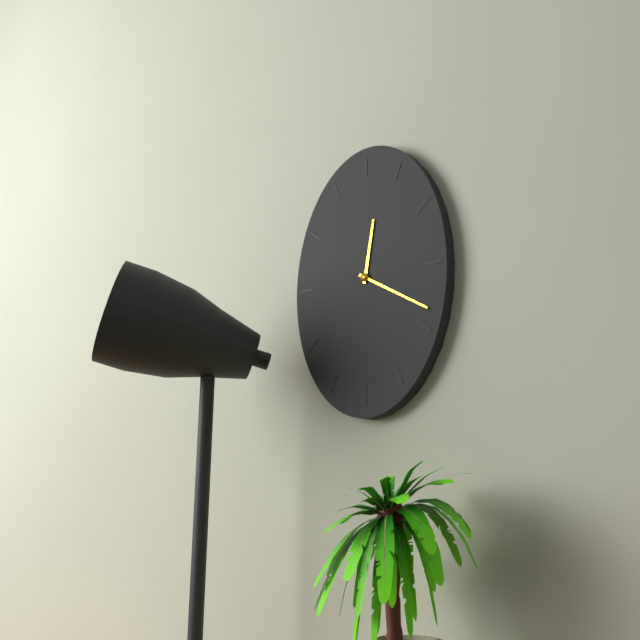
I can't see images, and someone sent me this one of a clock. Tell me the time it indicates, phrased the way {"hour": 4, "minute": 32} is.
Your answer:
{"hour": 12, "minute": 20}
